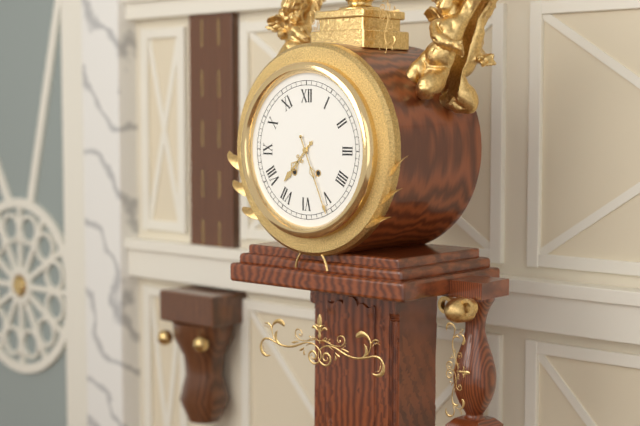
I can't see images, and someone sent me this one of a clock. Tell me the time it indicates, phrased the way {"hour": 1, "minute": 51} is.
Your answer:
{"hour": 7, "minute": 26}
